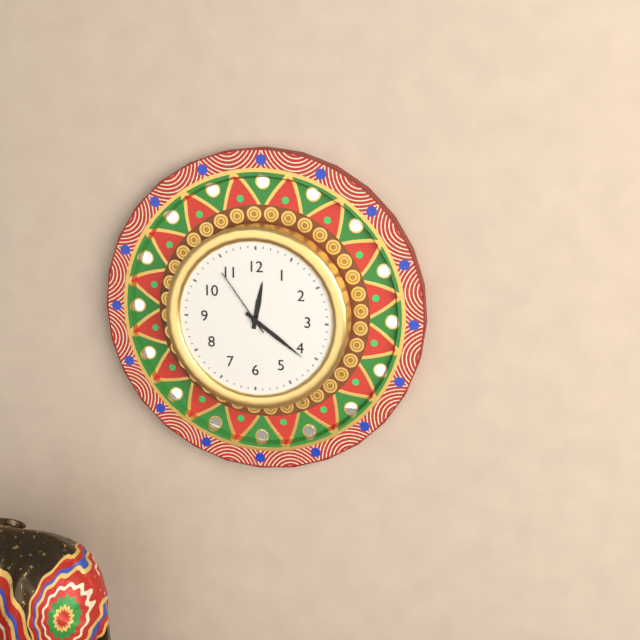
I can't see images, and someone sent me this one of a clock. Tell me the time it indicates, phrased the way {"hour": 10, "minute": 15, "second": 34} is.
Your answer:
{"hour": 12, "minute": 21, "second": 54}
